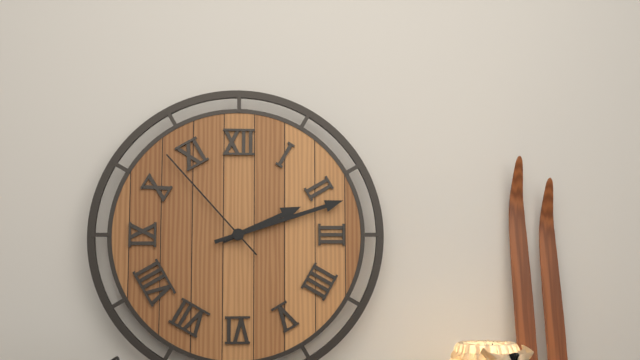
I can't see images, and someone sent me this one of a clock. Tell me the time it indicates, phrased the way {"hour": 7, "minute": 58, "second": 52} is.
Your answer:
{"hour": 2, "minute": 12, "second": 53}
